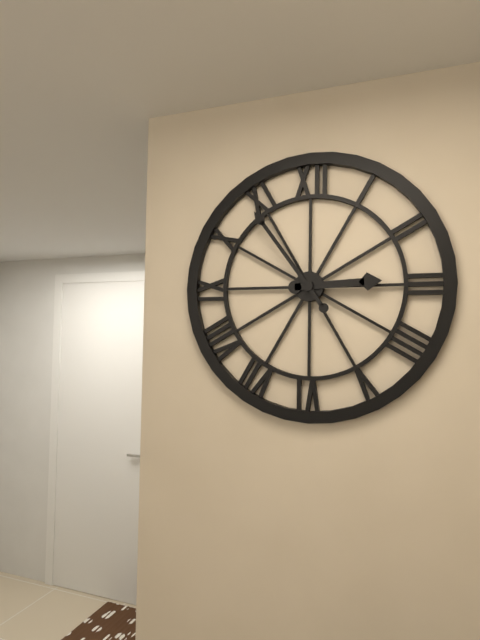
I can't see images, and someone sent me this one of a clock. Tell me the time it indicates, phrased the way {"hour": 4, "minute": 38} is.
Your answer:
{"hour": 2, "minute": 54}
